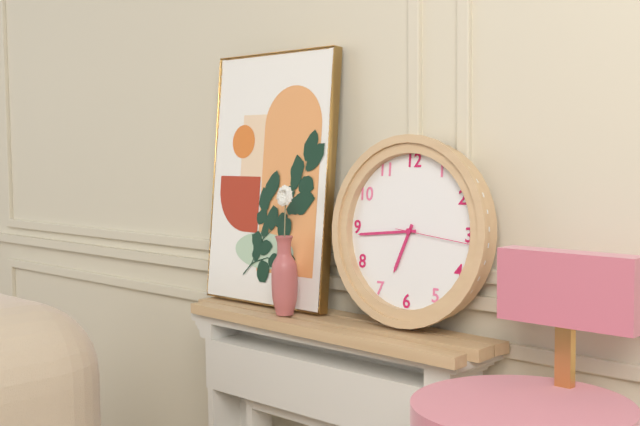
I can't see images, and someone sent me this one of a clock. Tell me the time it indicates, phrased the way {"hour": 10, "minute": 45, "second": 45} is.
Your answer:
{"hour": 6, "minute": 44, "second": 16}
